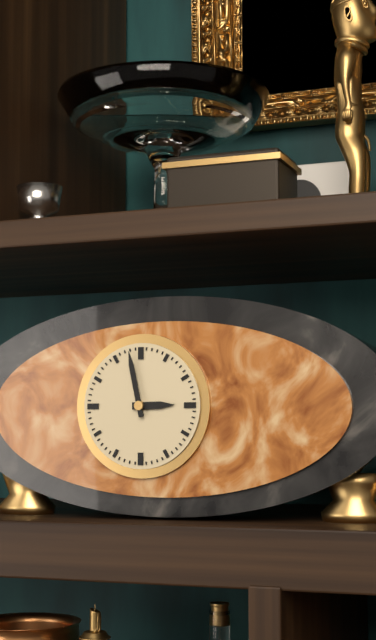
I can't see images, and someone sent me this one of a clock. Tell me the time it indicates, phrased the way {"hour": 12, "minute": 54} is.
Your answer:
{"hour": 2, "minute": 58}
